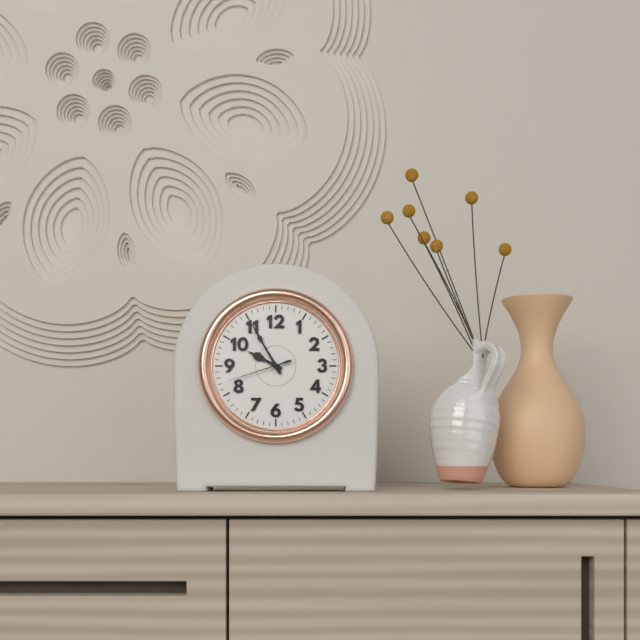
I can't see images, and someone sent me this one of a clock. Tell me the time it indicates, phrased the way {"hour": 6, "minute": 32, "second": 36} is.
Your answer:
{"hour": 9, "minute": 55, "second": 42}
